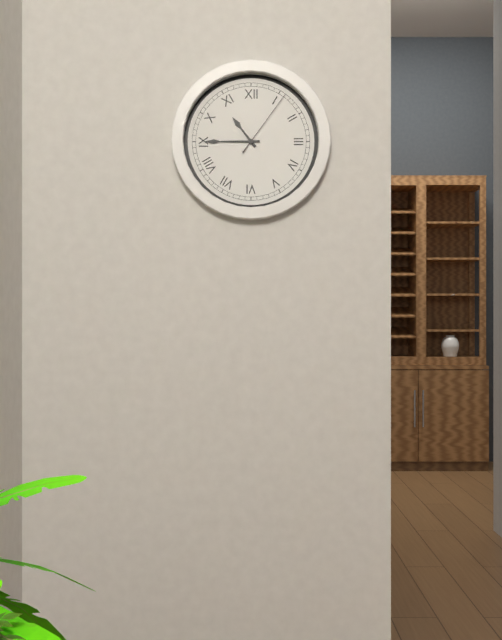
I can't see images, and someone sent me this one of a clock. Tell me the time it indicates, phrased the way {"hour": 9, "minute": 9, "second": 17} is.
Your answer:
{"hour": 10, "minute": 45, "second": 6}
